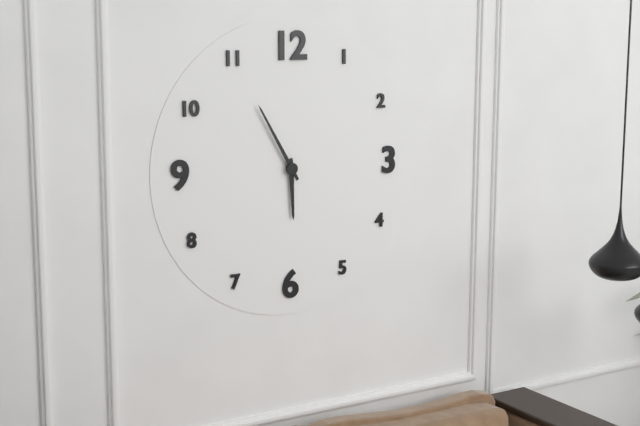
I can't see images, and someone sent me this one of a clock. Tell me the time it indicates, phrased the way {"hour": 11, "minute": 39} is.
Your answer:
{"hour": 5, "minute": 55}
